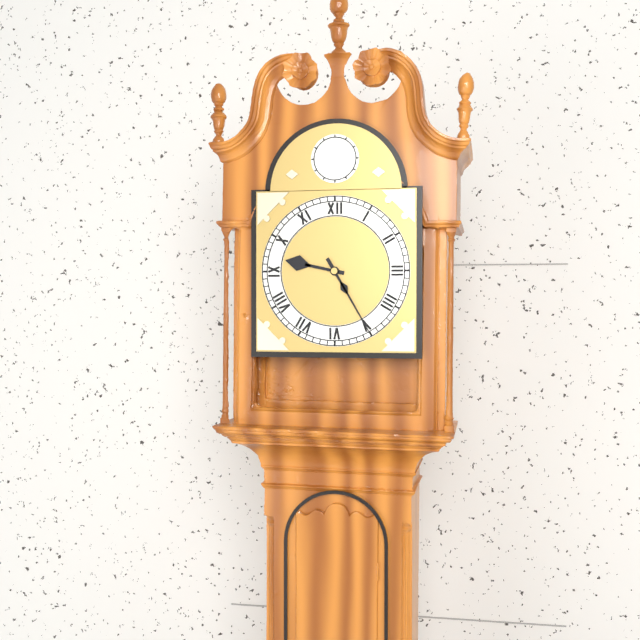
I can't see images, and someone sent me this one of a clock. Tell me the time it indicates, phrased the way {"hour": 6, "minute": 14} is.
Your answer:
{"hour": 9, "minute": 25}
